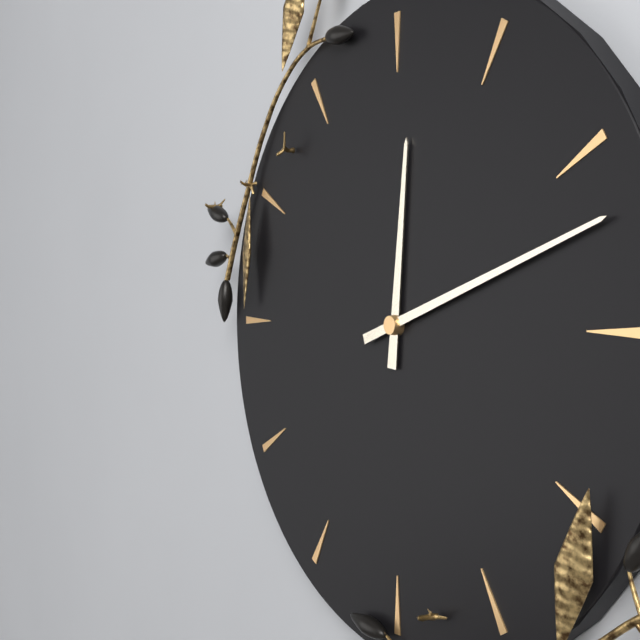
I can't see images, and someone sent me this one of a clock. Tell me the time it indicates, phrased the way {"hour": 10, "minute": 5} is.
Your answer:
{"hour": 12, "minute": 12}
